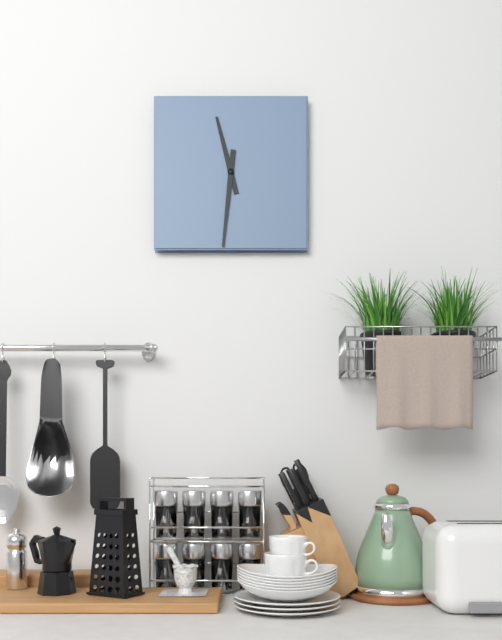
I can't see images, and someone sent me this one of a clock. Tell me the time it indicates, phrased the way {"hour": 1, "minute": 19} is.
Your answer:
{"hour": 11, "minute": 31}
